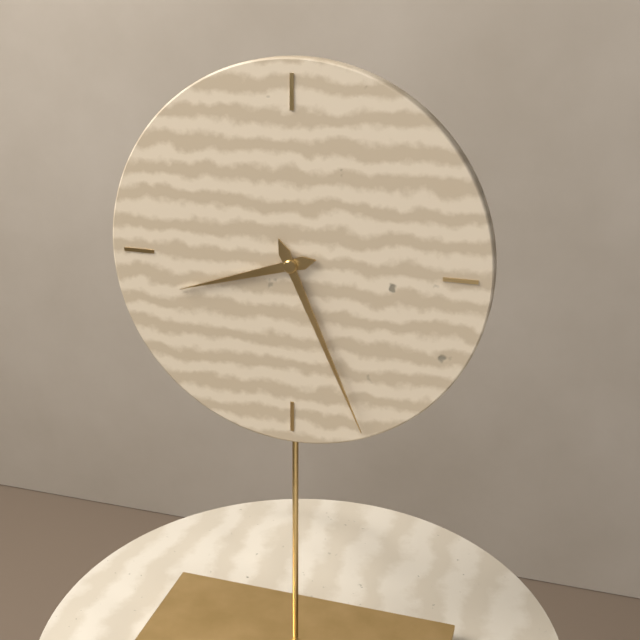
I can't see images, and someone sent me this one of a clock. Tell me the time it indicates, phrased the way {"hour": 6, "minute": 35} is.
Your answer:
{"hour": 8, "minute": 26}
